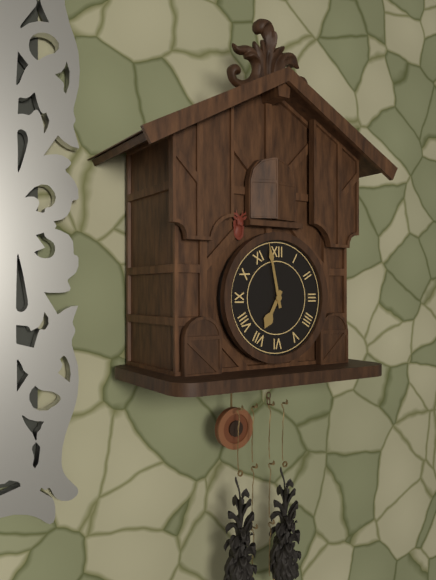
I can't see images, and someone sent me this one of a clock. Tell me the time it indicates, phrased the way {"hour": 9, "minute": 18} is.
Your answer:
{"hour": 6, "minute": 58}
